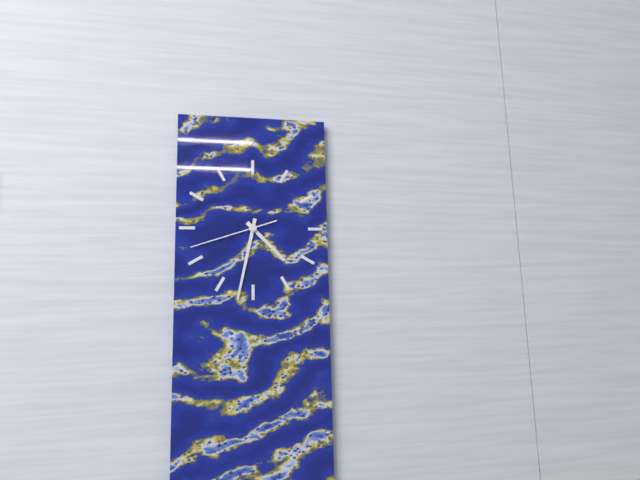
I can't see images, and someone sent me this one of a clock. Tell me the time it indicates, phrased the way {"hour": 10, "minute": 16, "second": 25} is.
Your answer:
{"hour": 4, "minute": 32, "second": 42}
